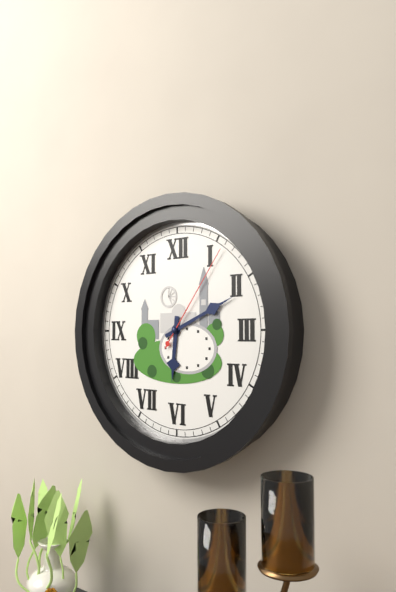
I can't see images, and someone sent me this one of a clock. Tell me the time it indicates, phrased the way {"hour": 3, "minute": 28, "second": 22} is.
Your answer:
{"hour": 6, "minute": 11, "second": 6}
